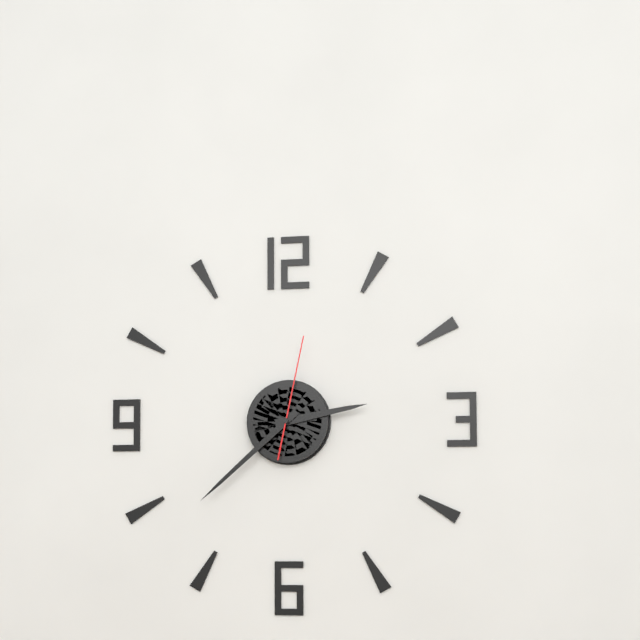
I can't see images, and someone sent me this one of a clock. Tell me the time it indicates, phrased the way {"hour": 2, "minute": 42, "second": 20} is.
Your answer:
{"hour": 2, "minute": 38, "second": 2}
